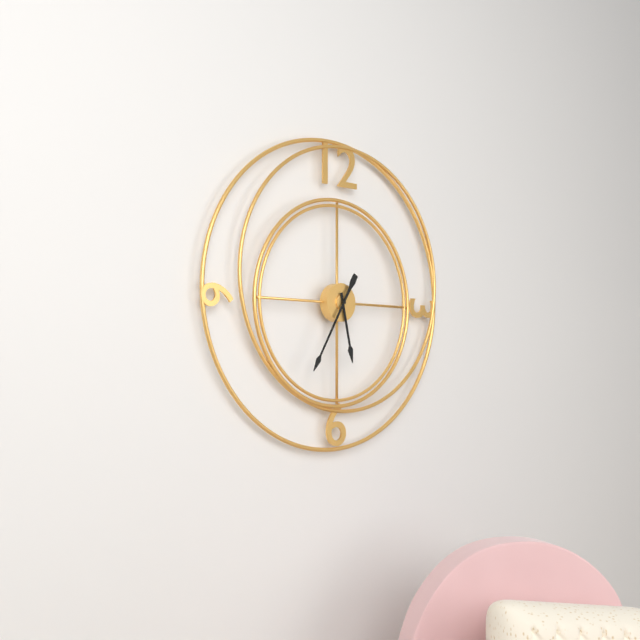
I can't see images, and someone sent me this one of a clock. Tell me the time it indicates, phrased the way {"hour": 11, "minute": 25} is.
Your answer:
{"hour": 5, "minute": 35}
